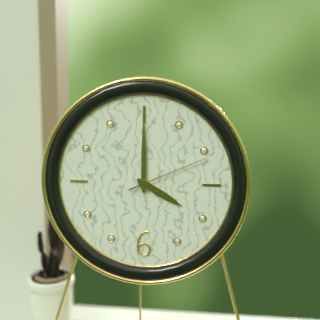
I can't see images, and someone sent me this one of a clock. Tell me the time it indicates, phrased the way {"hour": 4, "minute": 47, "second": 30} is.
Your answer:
{"hour": 4, "minute": 0, "second": 11}
